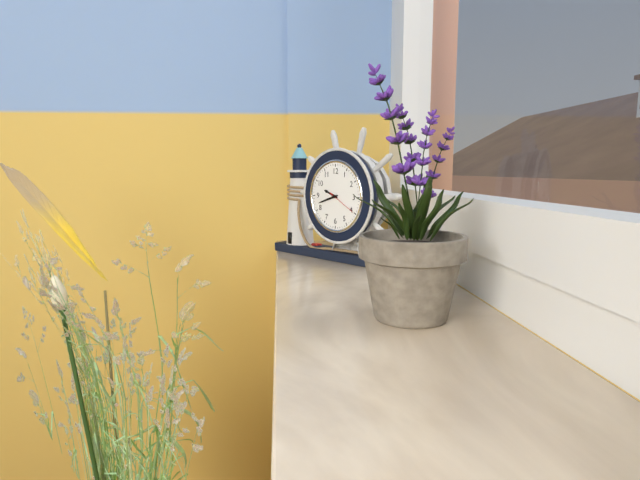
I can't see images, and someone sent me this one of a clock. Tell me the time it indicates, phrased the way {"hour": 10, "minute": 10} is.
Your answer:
{"hour": 9, "minute": 42}
